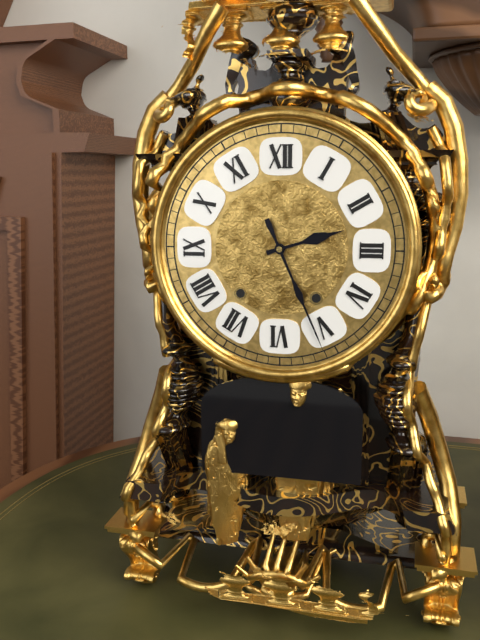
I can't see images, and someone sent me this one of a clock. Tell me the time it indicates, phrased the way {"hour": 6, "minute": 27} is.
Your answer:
{"hour": 2, "minute": 26}
